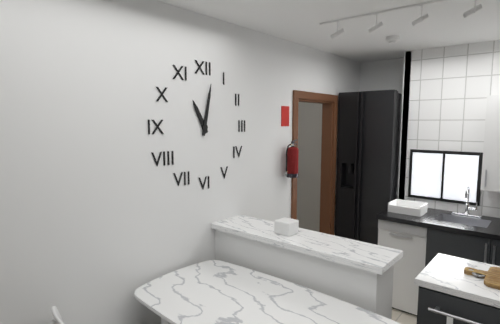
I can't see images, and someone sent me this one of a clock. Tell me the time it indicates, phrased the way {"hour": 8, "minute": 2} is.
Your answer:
{"hour": 11, "minute": 2}
